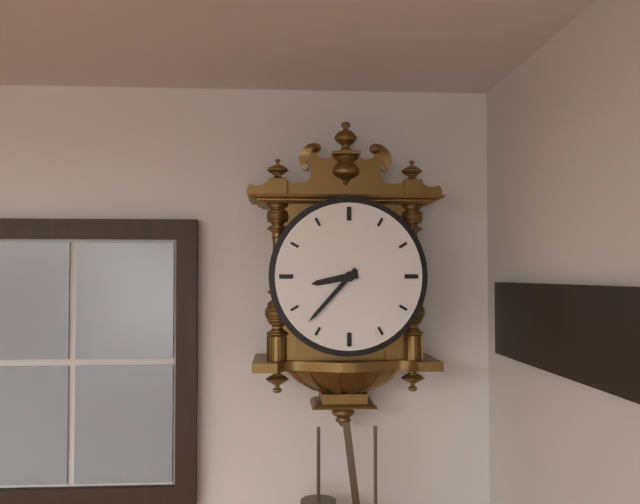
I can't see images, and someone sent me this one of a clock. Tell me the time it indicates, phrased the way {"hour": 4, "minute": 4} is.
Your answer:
{"hour": 8, "minute": 37}
